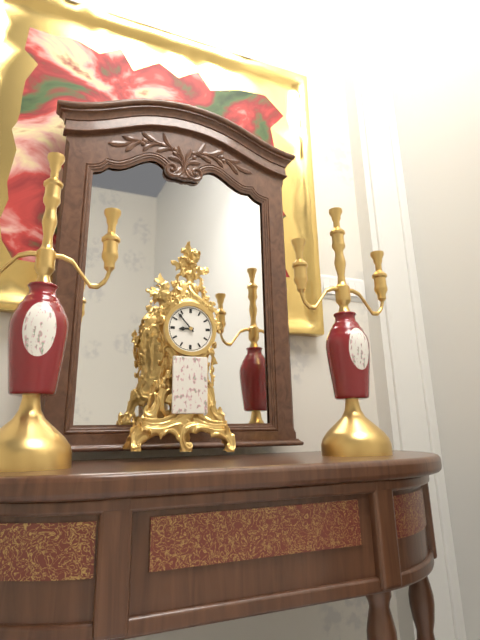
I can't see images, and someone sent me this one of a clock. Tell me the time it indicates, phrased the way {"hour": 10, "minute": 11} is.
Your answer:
{"hour": 8, "minute": 53}
